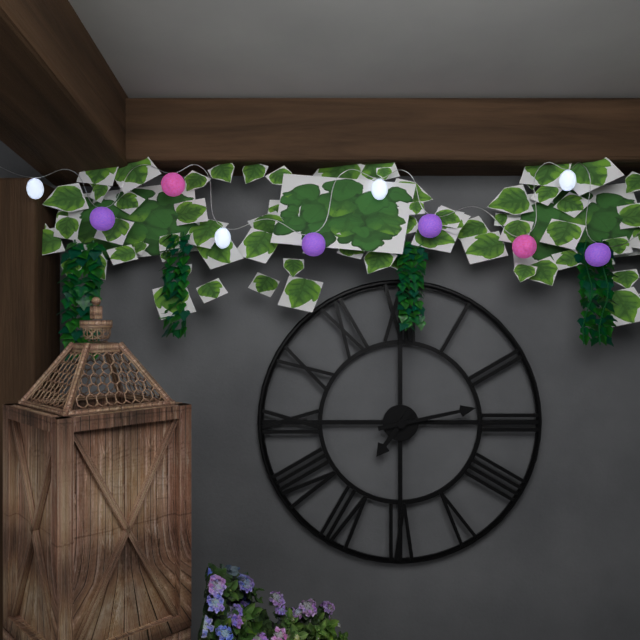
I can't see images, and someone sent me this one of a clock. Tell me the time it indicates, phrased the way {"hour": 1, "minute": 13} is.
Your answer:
{"hour": 7, "minute": 13}
